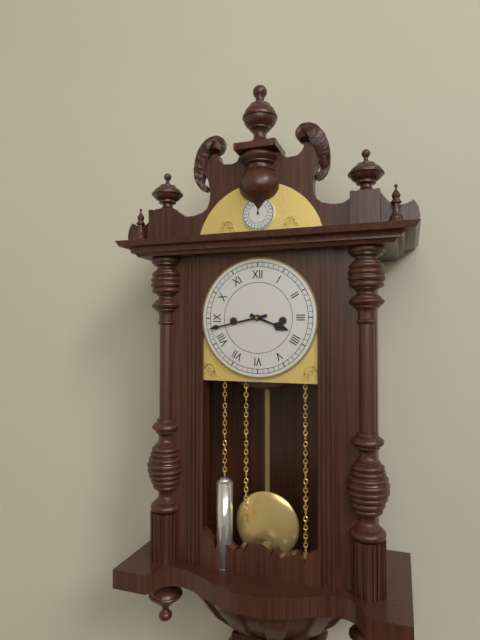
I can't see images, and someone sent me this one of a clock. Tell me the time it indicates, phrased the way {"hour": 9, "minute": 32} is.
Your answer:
{"hour": 3, "minute": 43}
